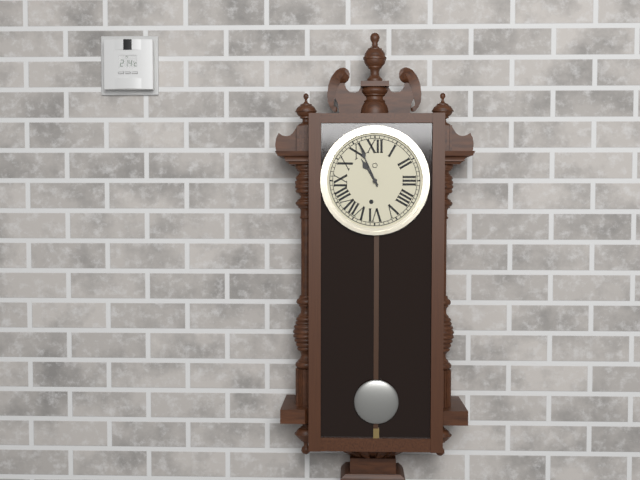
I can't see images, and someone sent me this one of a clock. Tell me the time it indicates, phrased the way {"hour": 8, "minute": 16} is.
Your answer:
{"hour": 10, "minute": 56}
